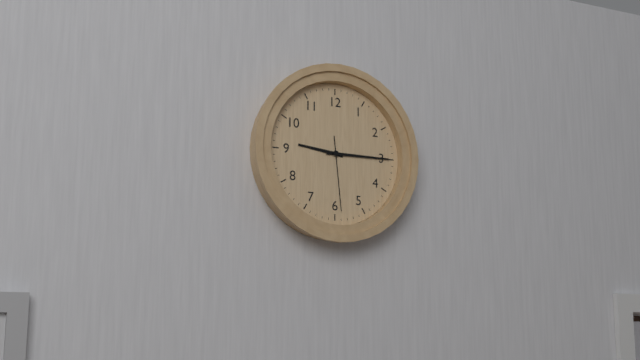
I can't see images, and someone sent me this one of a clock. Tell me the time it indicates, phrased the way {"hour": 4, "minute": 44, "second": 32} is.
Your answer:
{"hour": 9, "minute": 15, "second": 29}
